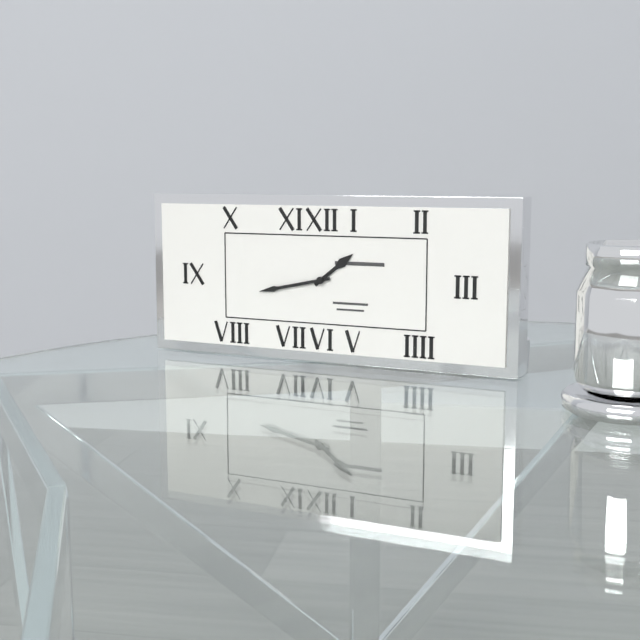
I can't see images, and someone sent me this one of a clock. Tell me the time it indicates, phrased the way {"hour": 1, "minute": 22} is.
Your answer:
{"hour": 1, "minute": 43}
